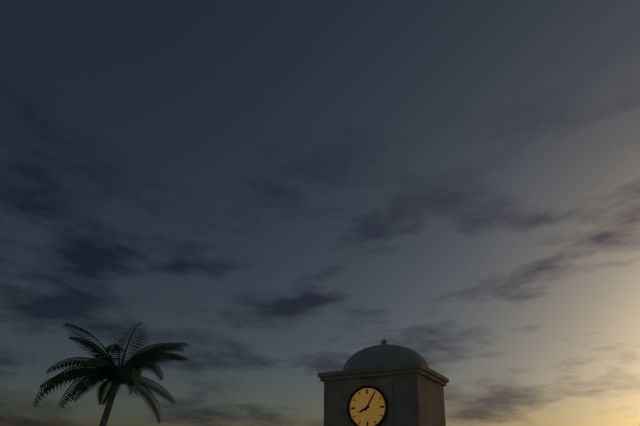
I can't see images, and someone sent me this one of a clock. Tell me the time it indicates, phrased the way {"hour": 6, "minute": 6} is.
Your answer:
{"hour": 8, "minute": 5}
